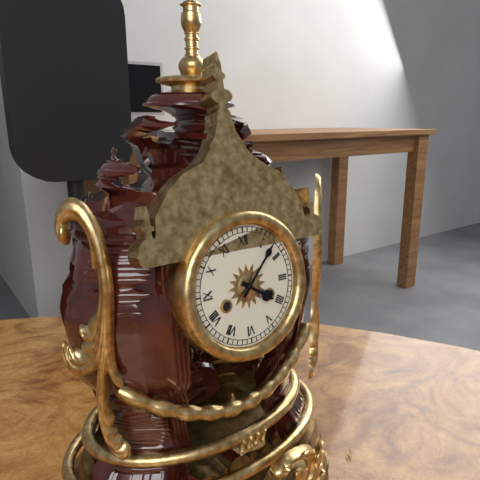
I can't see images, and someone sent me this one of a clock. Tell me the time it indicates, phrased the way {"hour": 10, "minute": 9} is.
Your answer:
{"hour": 4, "minute": 7}
